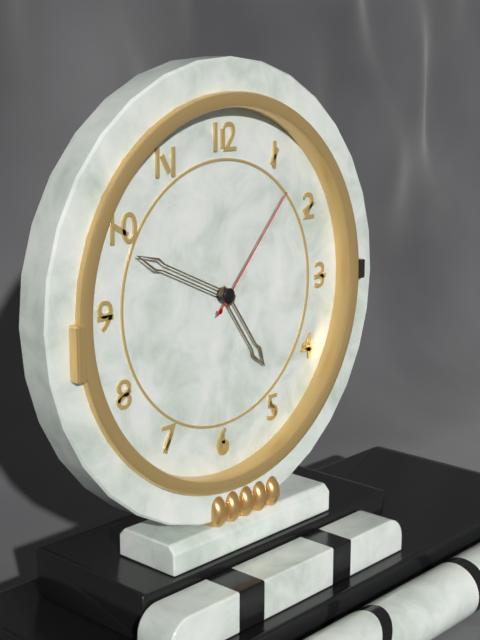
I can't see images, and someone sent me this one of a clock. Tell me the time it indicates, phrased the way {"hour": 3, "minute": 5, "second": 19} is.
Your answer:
{"hour": 4, "minute": 49, "second": 7}
